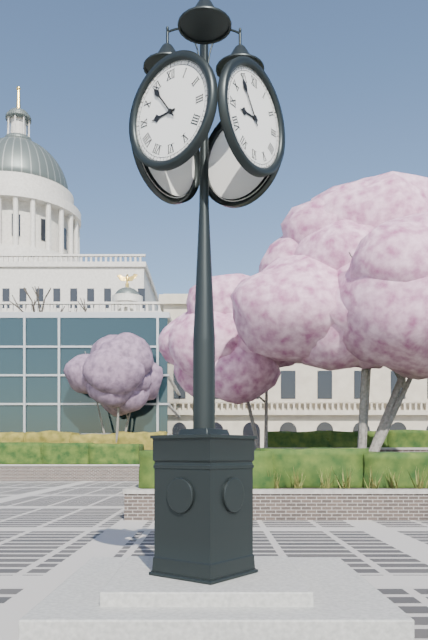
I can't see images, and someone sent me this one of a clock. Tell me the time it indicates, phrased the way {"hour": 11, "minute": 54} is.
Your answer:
{"hour": 8, "minute": 54}
